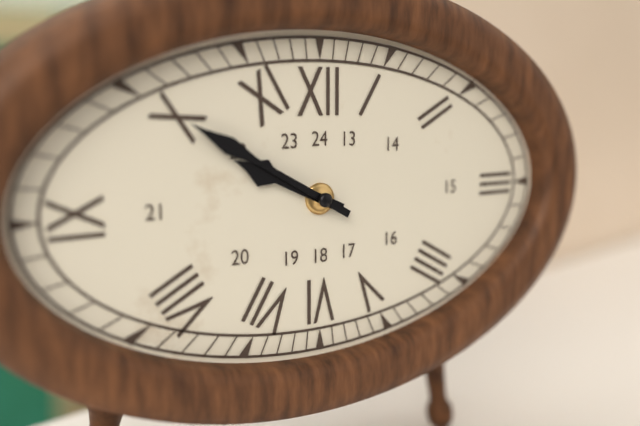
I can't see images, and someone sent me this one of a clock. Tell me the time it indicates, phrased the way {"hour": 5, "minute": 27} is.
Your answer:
{"hour": 9, "minute": 50}
